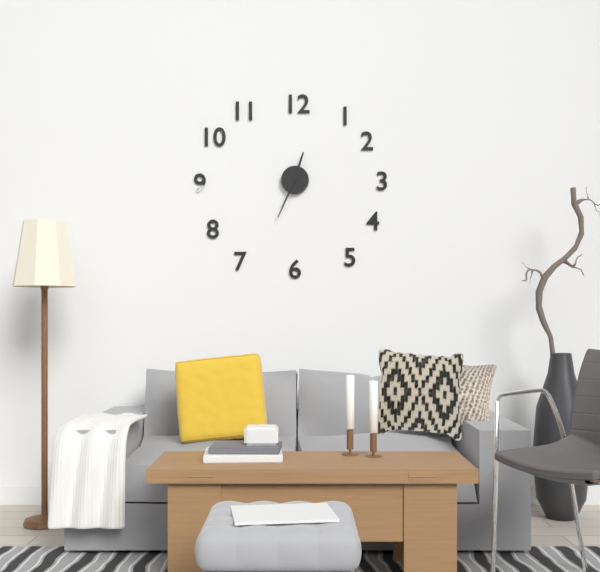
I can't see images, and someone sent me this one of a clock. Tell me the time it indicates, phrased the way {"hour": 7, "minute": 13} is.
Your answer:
{"hour": 12, "minute": 34}
